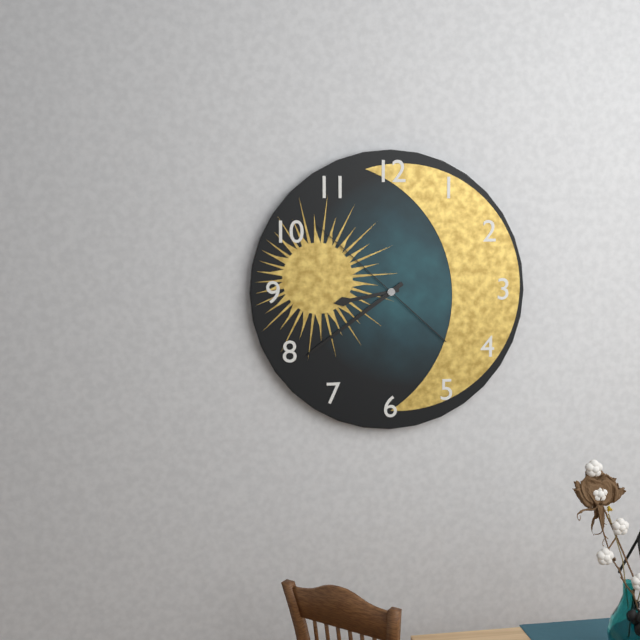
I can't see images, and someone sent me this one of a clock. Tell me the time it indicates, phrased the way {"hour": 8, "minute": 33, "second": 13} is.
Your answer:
{"hour": 8, "minute": 39, "second": 52}
